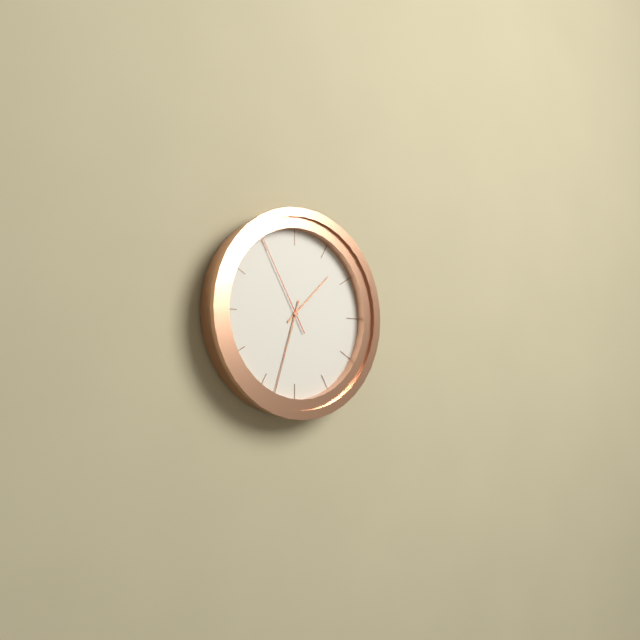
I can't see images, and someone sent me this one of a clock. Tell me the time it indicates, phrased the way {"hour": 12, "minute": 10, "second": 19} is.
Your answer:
{"hour": 1, "minute": 33, "second": 55}
